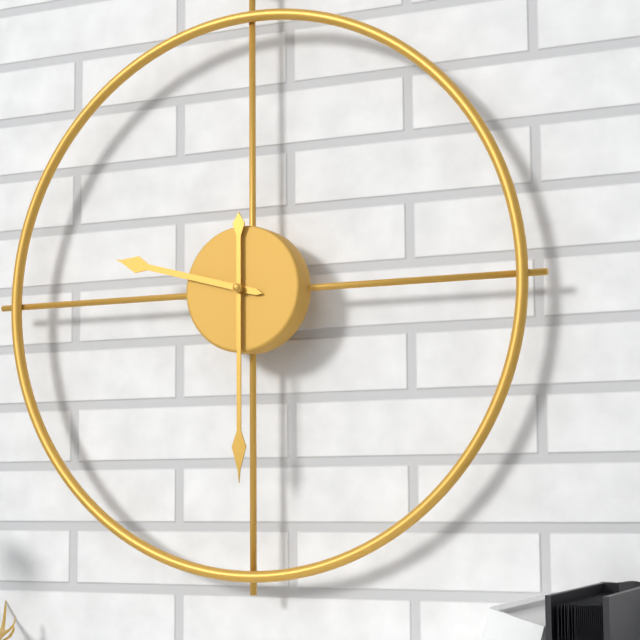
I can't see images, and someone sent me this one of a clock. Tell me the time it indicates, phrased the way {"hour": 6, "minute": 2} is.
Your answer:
{"hour": 9, "minute": 30}
